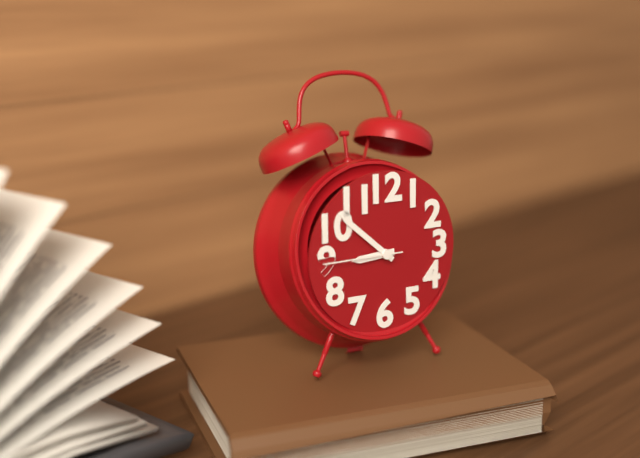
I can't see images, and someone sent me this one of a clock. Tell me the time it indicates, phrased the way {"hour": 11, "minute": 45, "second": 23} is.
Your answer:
{"hour": 8, "minute": 52, "second": 45}
